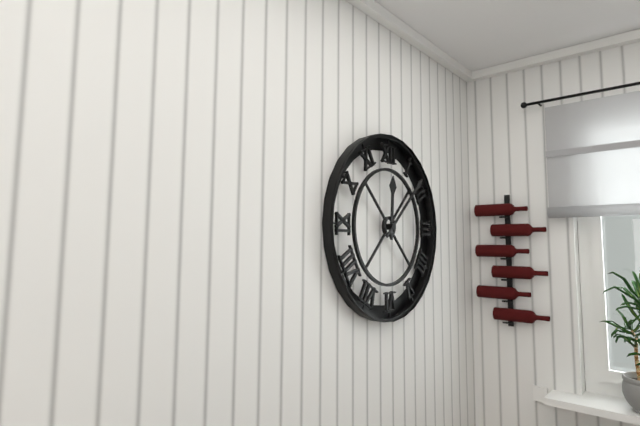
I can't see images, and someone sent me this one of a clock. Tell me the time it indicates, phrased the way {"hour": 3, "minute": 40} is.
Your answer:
{"hour": 12, "minute": 8}
